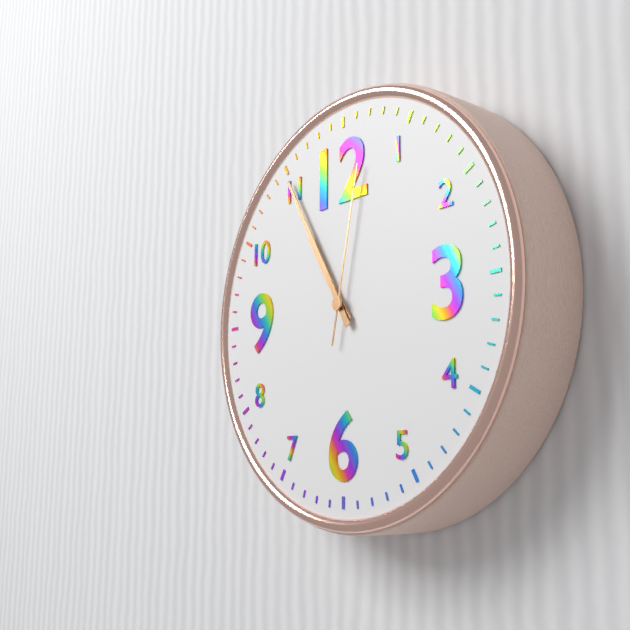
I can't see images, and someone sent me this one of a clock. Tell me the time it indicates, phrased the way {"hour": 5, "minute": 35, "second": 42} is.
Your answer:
{"hour": 10, "minute": 55, "second": 2}
